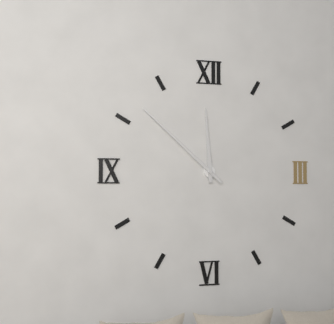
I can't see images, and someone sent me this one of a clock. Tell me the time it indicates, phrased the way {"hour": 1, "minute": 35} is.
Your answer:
{"hour": 11, "minute": 52}
